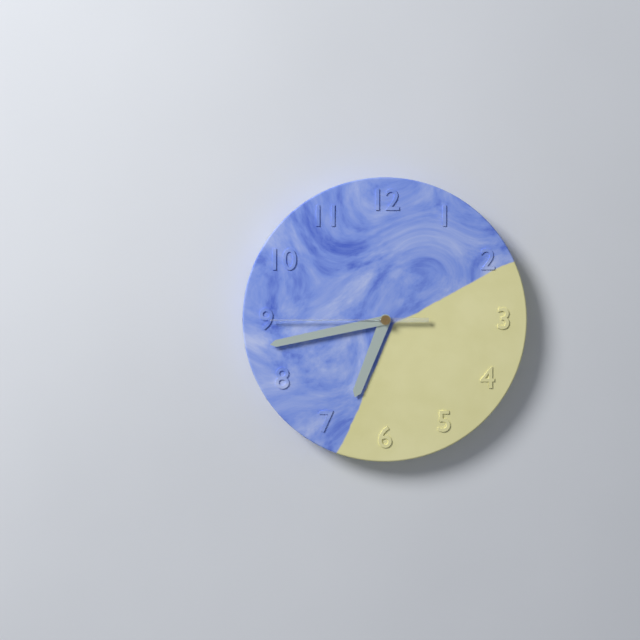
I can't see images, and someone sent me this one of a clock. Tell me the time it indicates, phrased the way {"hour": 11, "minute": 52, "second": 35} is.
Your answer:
{"hour": 6, "minute": 43, "second": 45}
